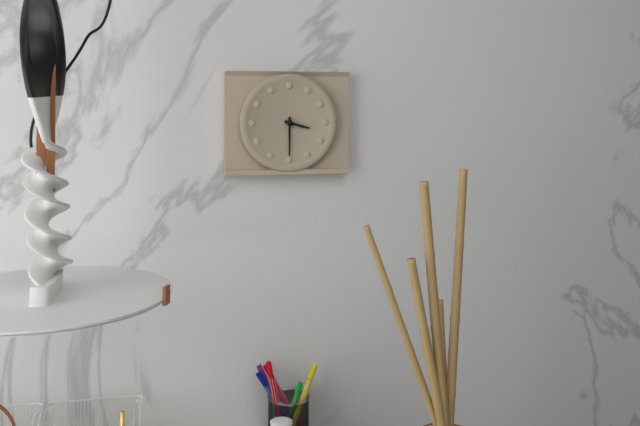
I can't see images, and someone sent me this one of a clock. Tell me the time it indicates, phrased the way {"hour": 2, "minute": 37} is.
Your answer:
{"hour": 3, "minute": 30}
